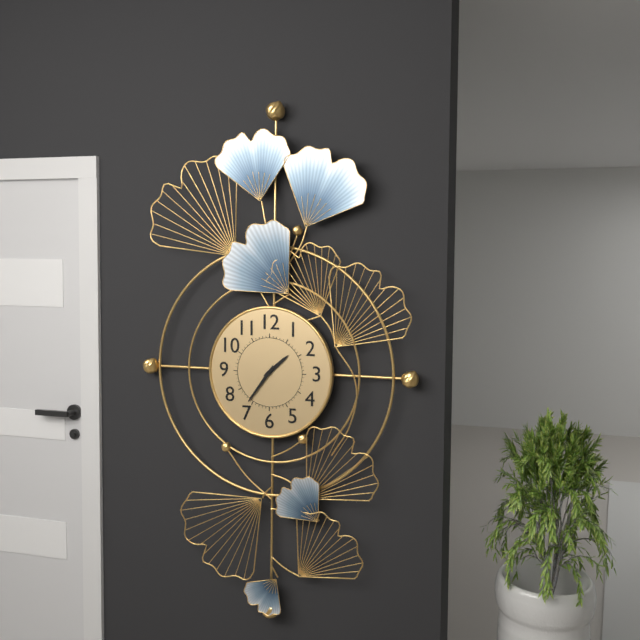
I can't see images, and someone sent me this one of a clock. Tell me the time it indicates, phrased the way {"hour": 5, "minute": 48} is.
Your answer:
{"hour": 1, "minute": 36}
